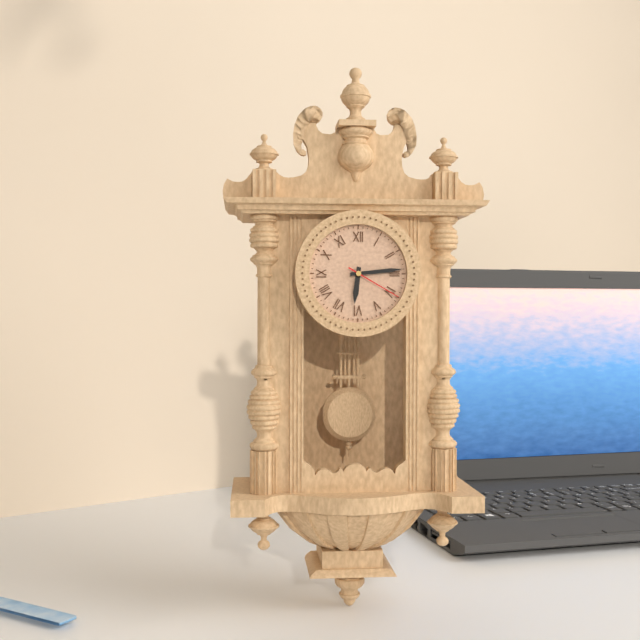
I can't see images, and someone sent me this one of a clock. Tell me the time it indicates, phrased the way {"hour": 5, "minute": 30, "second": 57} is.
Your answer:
{"hour": 6, "minute": 14, "second": 20}
